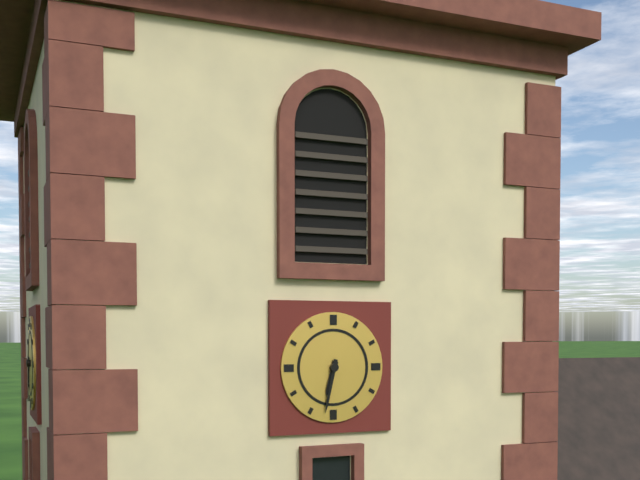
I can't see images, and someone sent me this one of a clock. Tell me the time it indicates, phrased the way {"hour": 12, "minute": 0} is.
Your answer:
{"hour": 6, "minute": 32}
